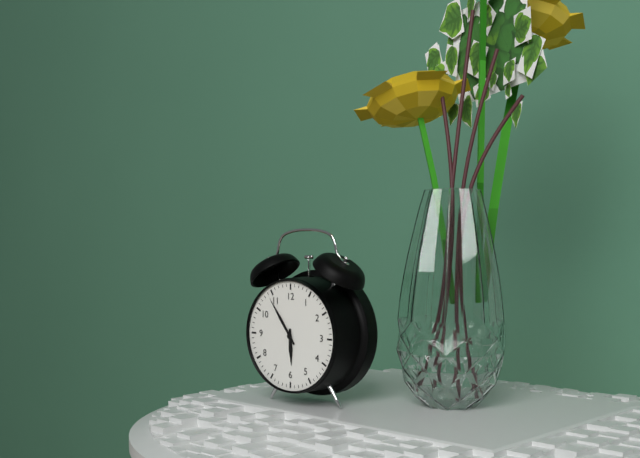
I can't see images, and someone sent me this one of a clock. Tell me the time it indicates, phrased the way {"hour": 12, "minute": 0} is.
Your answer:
{"hour": 5, "minute": 54}
